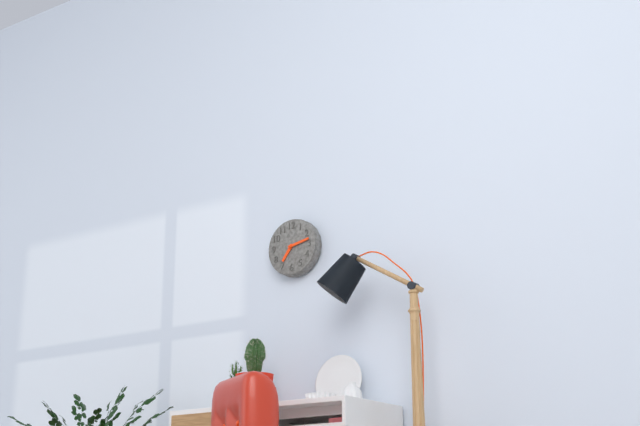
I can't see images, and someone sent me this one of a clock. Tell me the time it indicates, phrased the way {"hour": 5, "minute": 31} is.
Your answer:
{"hour": 7, "minute": 13}
